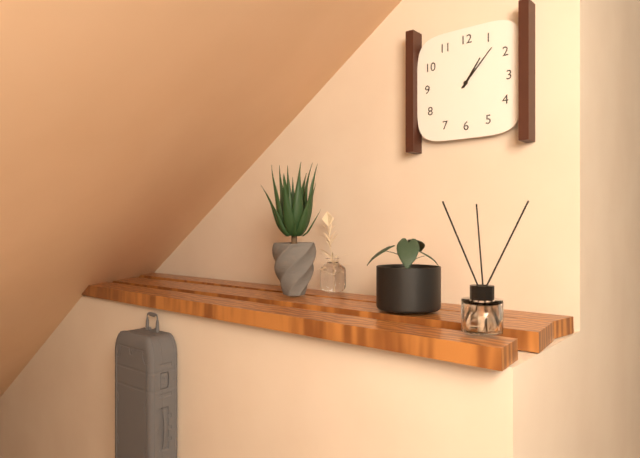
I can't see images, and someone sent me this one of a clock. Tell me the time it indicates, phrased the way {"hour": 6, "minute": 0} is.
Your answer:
{"hour": 1, "minute": 7}
